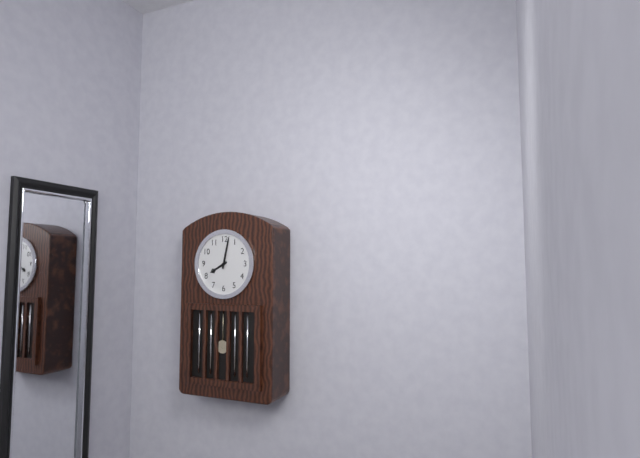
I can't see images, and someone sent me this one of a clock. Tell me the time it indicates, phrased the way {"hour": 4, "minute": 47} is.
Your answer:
{"hour": 8, "minute": 2}
